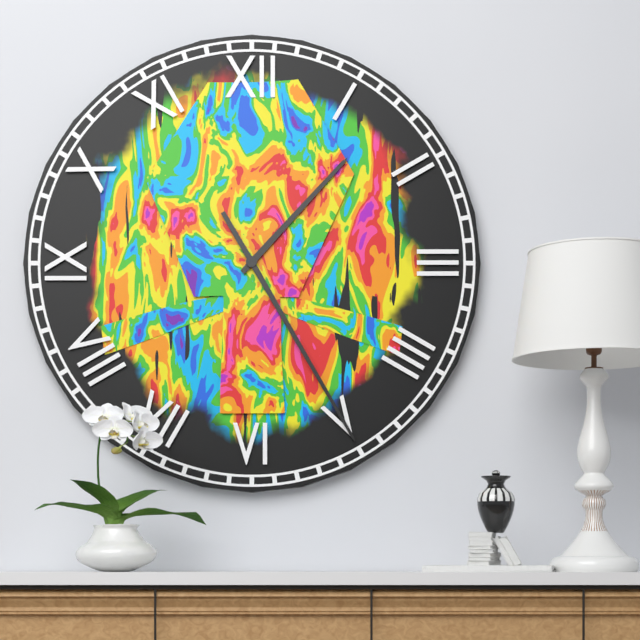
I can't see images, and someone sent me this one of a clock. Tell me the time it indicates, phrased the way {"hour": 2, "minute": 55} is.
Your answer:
{"hour": 1, "minute": 25}
